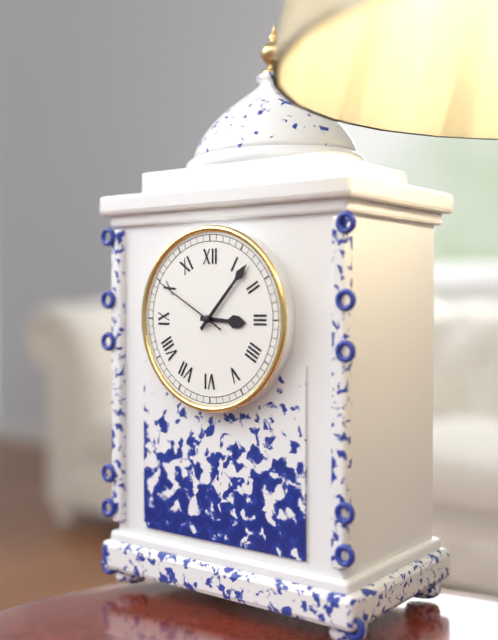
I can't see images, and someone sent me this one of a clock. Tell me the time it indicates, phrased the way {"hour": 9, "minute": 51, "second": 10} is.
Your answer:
{"hour": 3, "minute": 7, "second": 50}
